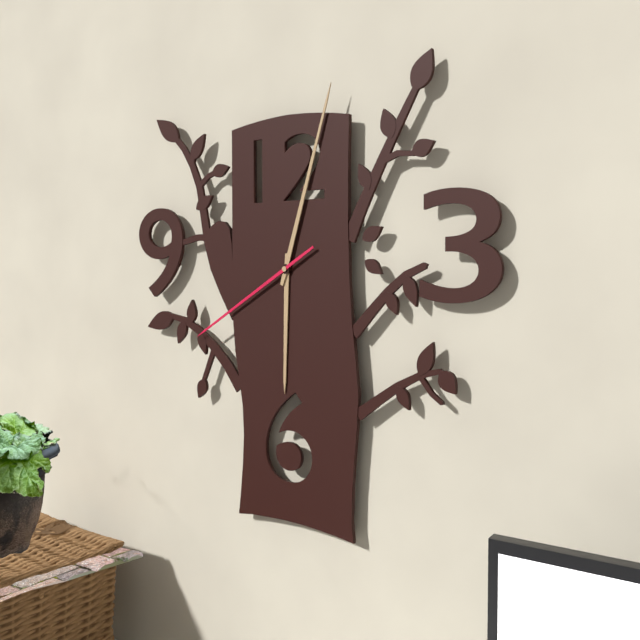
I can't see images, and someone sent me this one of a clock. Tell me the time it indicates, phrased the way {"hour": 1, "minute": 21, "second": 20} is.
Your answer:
{"hour": 6, "minute": 3, "second": 40}
